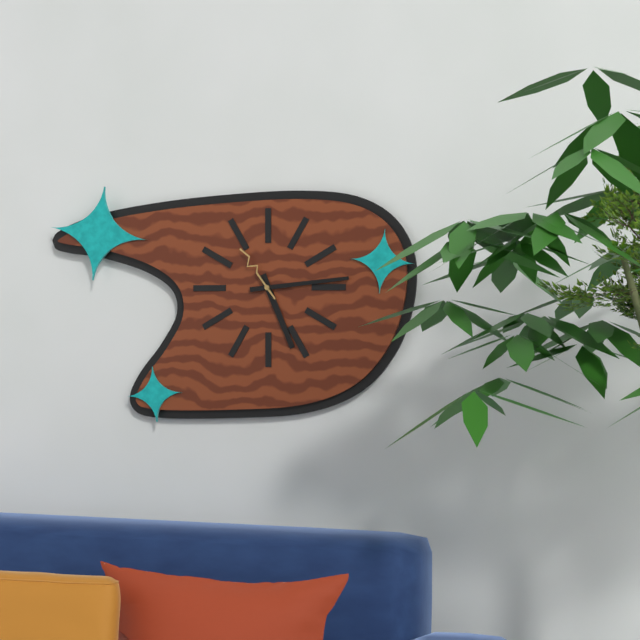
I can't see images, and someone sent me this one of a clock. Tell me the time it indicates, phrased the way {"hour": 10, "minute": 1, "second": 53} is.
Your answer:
{"hour": 5, "minute": 14, "second": 54}
